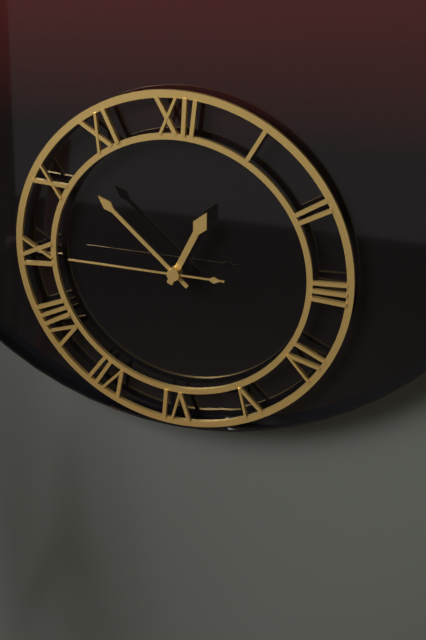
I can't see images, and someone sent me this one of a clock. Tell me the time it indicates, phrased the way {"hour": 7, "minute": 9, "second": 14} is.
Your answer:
{"hour": 12, "minute": 52, "second": 45}
